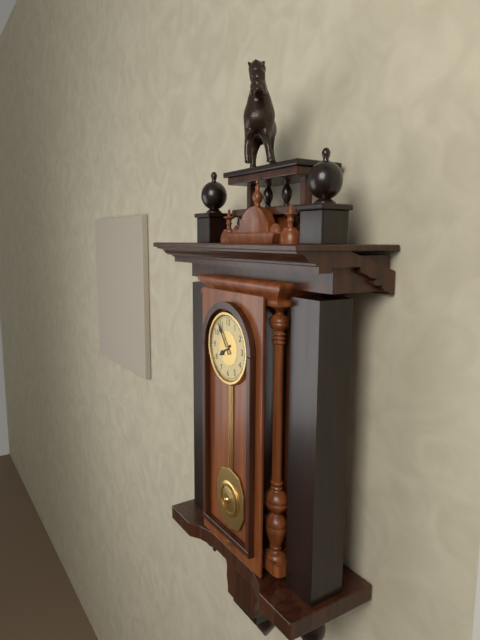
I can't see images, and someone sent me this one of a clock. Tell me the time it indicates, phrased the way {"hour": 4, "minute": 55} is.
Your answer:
{"hour": 7, "minute": 54}
